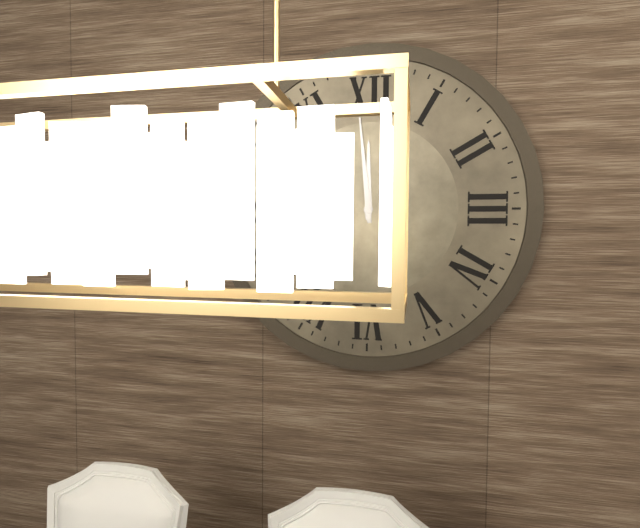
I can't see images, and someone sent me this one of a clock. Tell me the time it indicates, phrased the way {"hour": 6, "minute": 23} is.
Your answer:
{"hour": 11, "minute": 59}
